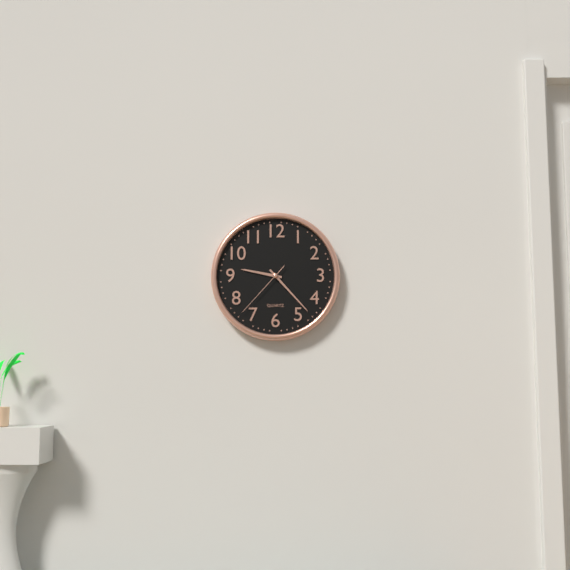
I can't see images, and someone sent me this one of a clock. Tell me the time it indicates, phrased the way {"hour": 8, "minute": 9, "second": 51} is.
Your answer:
{"hour": 9, "minute": 23, "second": 37}
